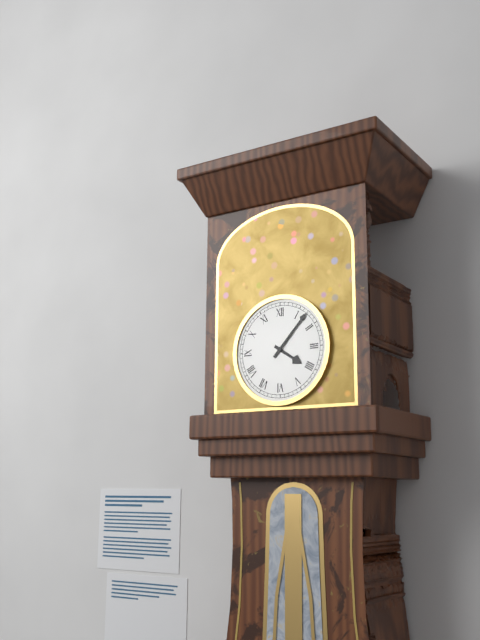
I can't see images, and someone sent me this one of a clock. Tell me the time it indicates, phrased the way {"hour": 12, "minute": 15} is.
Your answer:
{"hour": 4, "minute": 7}
